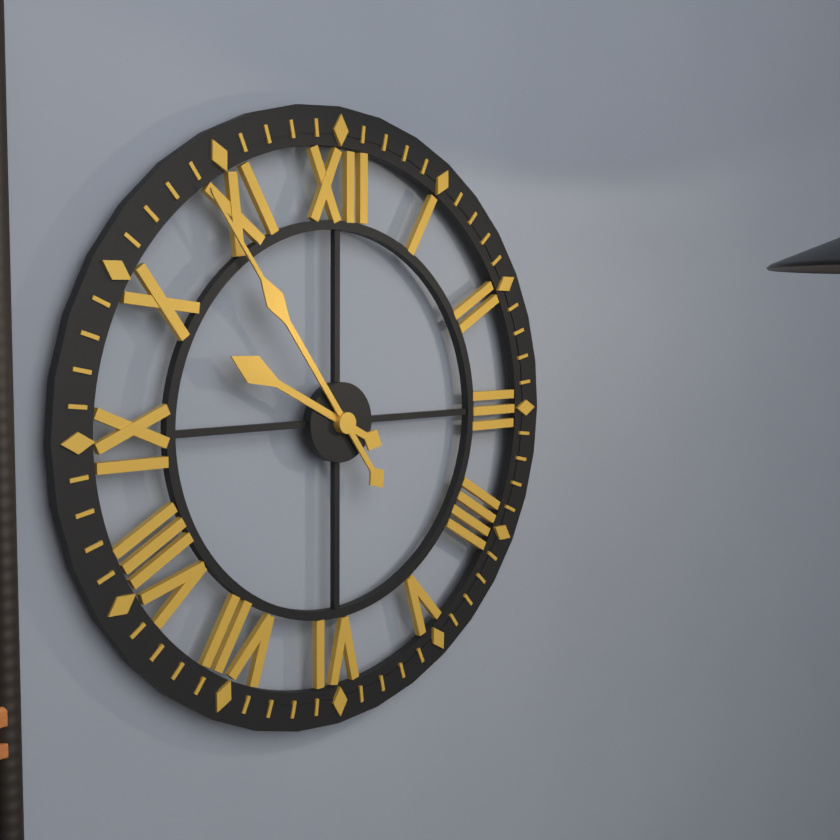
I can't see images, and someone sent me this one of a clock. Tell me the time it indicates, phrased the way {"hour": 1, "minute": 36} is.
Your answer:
{"hour": 9, "minute": 54}
